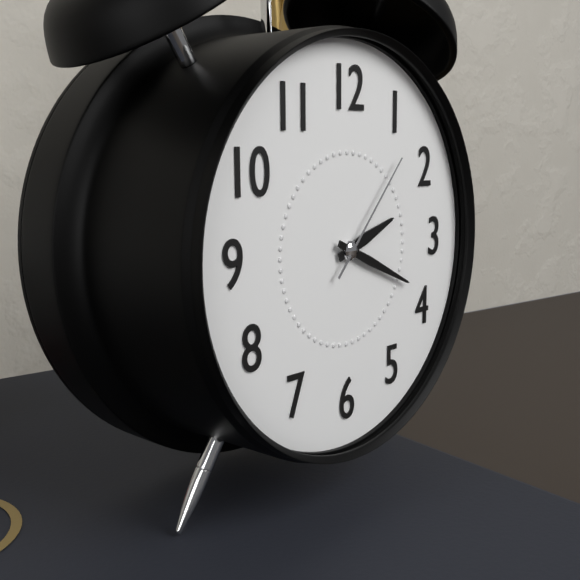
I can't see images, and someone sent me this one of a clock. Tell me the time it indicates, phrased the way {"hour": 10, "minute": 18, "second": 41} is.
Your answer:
{"hour": 2, "minute": 19, "second": 7}
